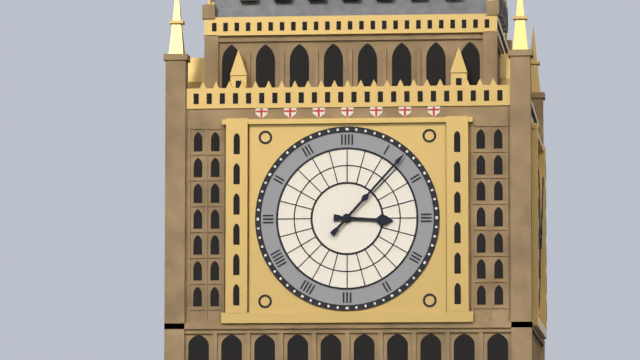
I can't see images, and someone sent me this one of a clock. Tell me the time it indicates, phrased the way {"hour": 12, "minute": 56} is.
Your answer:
{"hour": 3, "minute": 7}
